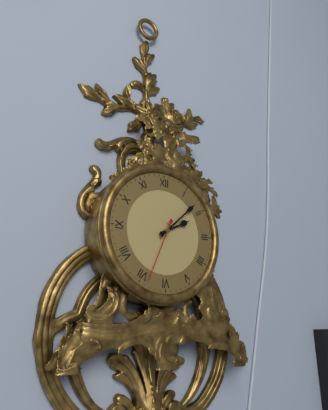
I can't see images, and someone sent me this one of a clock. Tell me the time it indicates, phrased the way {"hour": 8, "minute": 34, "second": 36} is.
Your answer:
{"hour": 2, "minute": 8, "second": 34}
